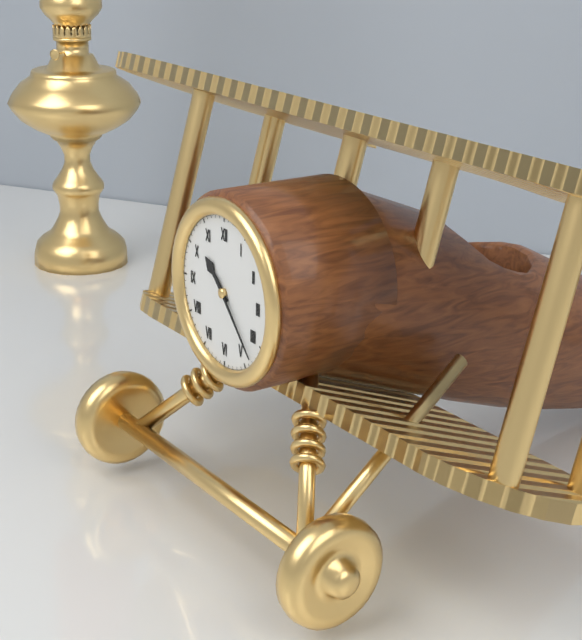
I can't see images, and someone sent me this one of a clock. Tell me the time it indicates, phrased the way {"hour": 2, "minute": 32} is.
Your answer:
{"hour": 10, "minute": 23}
